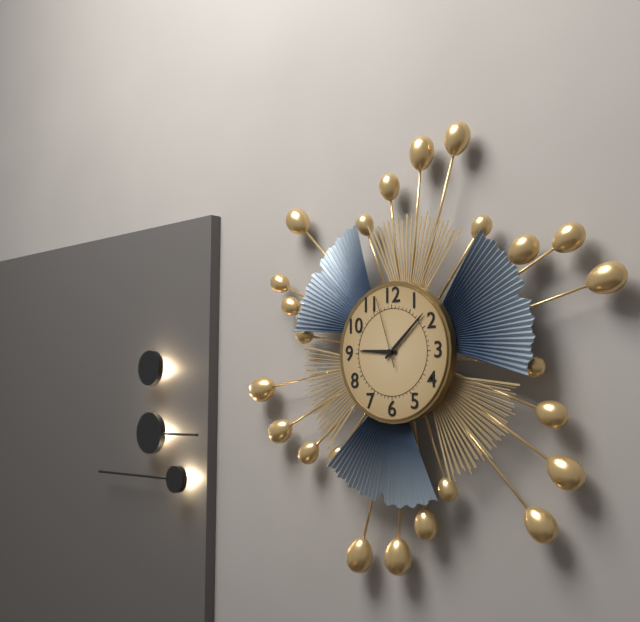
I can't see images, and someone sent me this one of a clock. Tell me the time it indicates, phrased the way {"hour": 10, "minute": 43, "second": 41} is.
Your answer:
{"hour": 9, "minute": 8, "second": 57}
